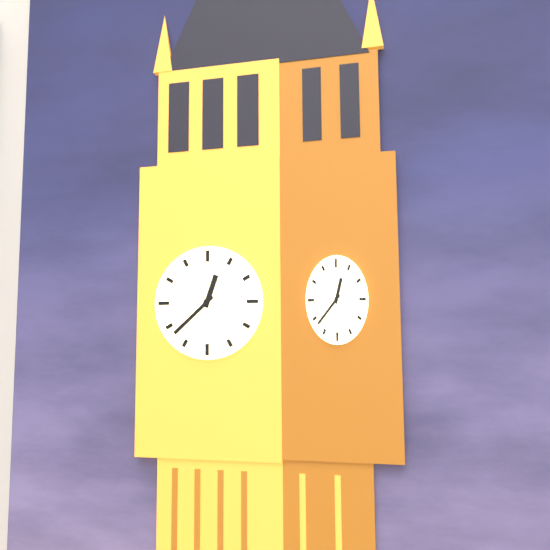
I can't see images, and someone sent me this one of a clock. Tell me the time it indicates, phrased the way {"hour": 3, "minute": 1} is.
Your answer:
{"hour": 12, "minute": 38}
